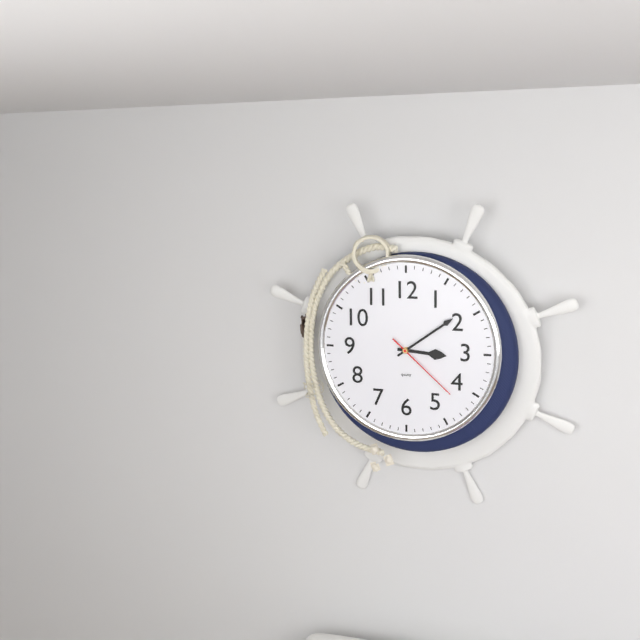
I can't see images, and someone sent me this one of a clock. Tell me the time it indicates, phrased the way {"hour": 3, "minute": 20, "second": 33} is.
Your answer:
{"hour": 3, "minute": 9, "second": 22}
